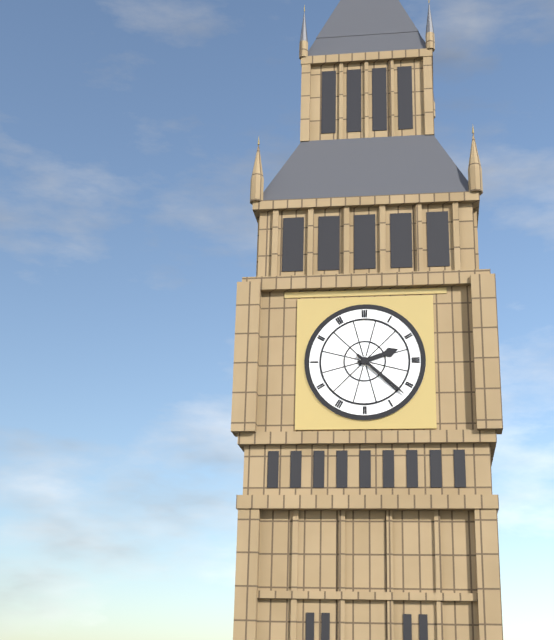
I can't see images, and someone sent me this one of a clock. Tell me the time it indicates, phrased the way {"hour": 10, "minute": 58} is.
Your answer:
{"hour": 2, "minute": 22}
